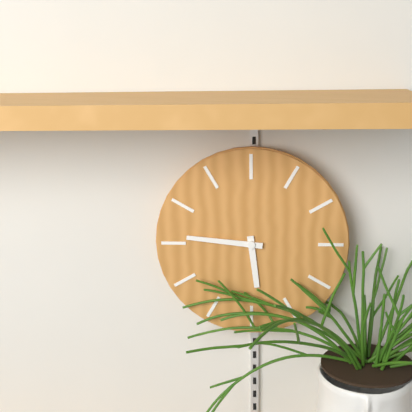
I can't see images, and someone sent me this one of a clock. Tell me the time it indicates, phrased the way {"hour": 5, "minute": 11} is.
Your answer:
{"hour": 5, "minute": 46}
